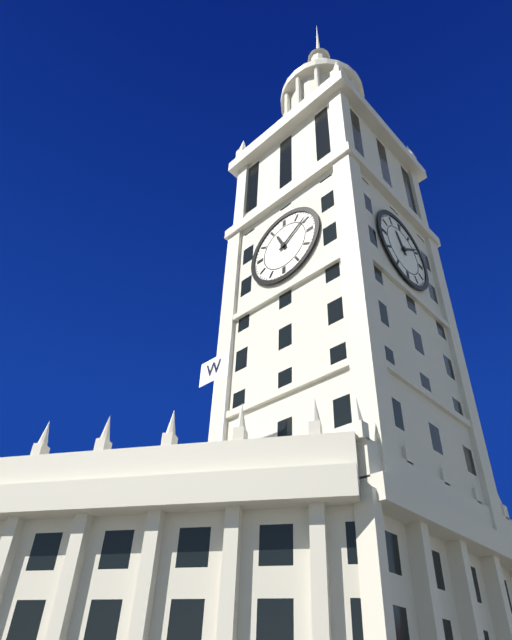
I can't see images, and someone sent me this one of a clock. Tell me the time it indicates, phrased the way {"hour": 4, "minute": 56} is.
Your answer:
{"hour": 11, "minute": 9}
